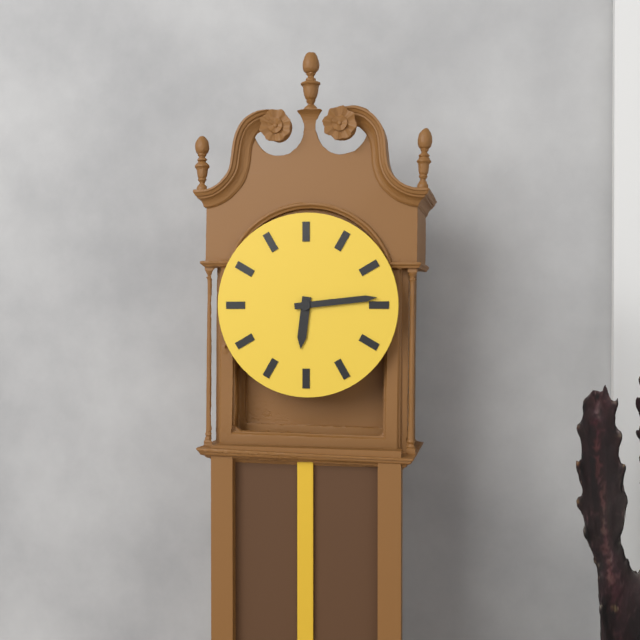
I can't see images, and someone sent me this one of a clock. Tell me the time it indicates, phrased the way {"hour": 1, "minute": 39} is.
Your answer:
{"hour": 6, "minute": 14}
